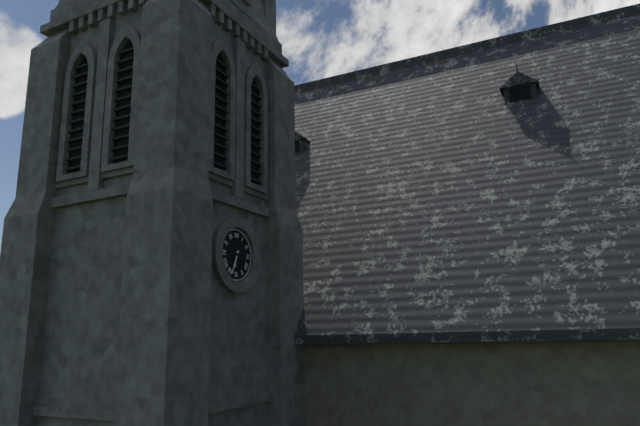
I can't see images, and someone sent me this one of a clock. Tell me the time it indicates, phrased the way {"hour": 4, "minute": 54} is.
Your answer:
{"hour": 6, "minute": 34}
